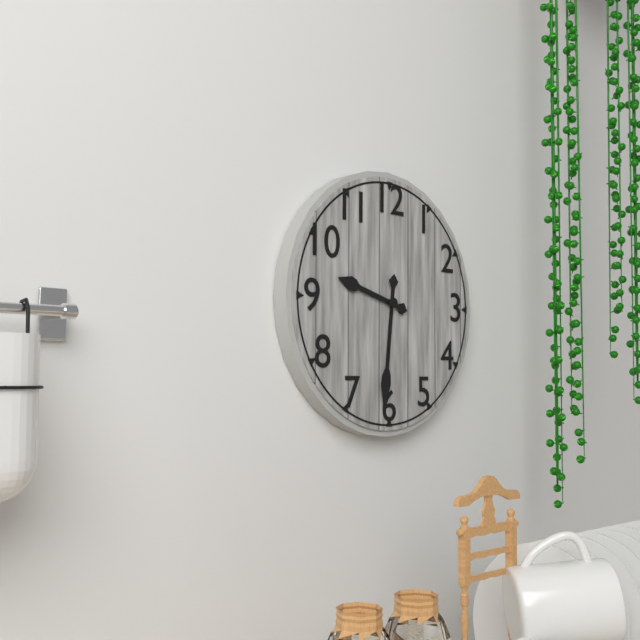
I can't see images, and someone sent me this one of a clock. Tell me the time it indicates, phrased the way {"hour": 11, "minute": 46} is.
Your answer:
{"hour": 9, "minute": 31}
